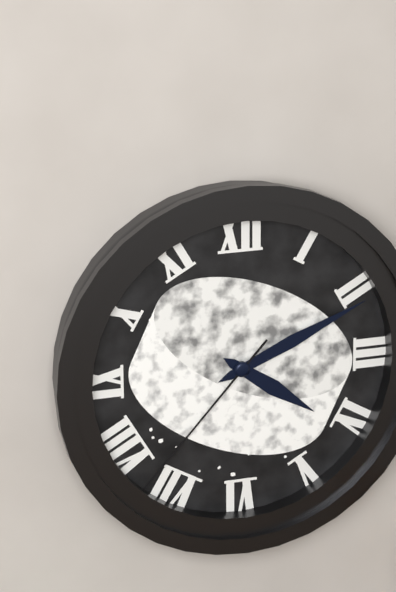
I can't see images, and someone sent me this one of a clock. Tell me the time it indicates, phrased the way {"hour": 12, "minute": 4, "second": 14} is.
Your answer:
{"hour": 4, "minute": 11, "second": 37}
